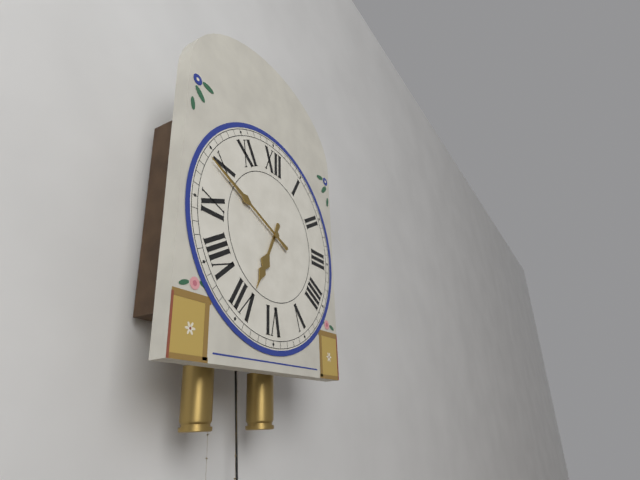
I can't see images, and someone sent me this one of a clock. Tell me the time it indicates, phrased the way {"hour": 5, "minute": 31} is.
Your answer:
{"hour": 6, "minute": 49}
